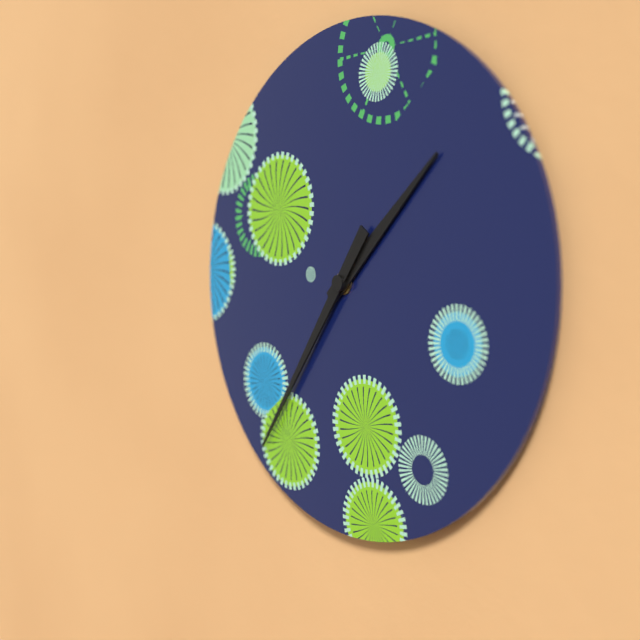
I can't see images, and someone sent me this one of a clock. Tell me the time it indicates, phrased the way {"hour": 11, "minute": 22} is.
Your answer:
{"hour": 1, "minute": 36}
